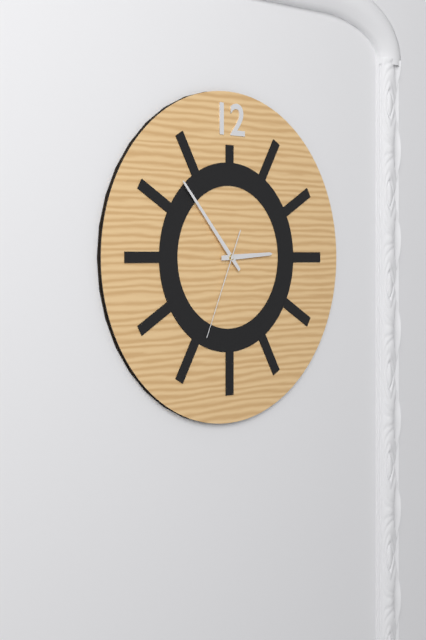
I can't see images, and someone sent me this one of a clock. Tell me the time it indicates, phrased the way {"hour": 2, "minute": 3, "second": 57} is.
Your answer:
{"hour": 2, "minute": 53, "second": 34}
